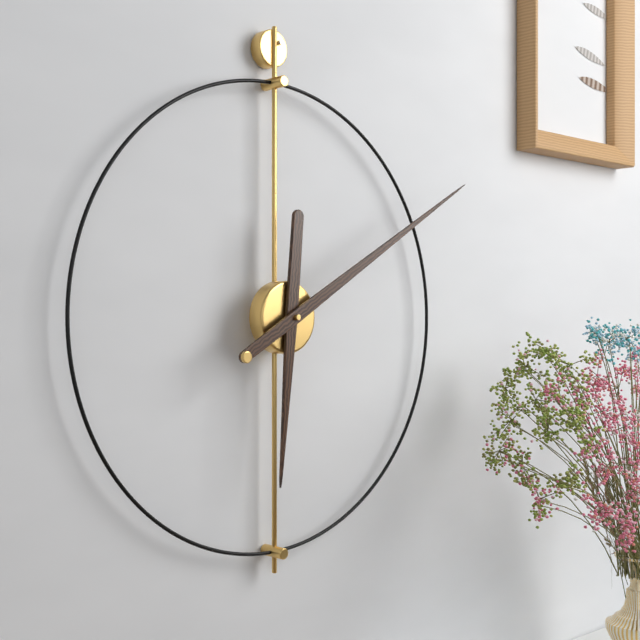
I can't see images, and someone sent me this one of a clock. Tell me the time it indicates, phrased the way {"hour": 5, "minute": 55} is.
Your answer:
{"hour": 6, "minute": 10}
